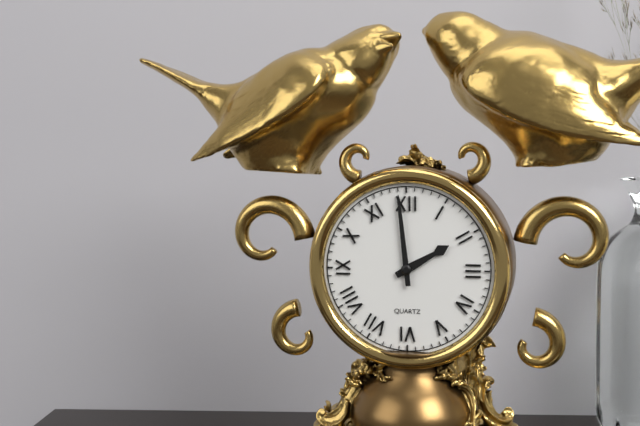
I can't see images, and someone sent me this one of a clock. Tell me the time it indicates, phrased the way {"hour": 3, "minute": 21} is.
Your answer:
{"hour": 1, "minute": 59}
